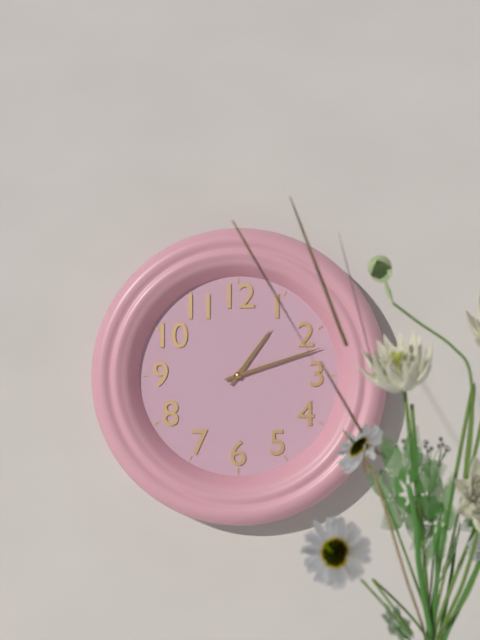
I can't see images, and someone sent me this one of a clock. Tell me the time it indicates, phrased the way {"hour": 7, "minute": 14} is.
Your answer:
{"hour": 1, "minute": 12}
